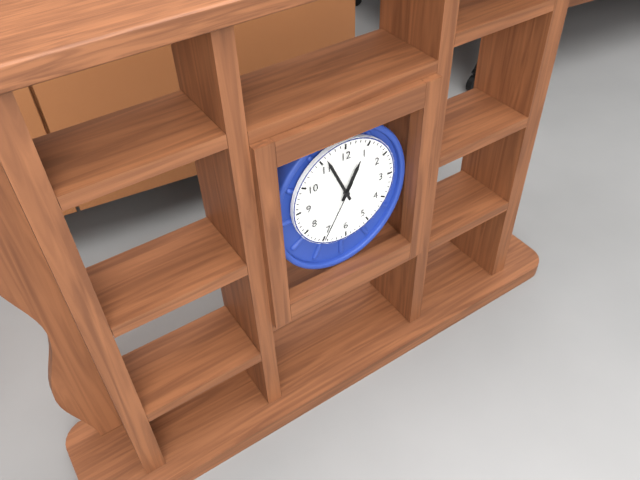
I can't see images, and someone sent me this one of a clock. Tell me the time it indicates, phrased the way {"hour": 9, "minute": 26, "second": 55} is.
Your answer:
{"hour": 12, "minute": 56, "second": 35}
